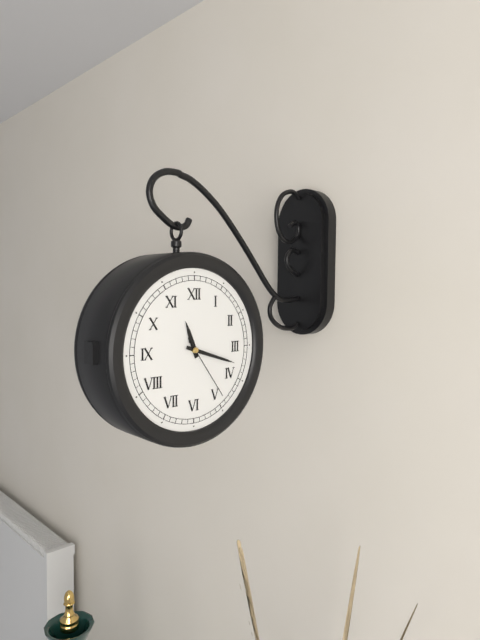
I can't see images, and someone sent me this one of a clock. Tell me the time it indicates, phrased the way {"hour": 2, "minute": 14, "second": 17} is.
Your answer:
{"hour": 11, "minute": 18, "second": 24}
